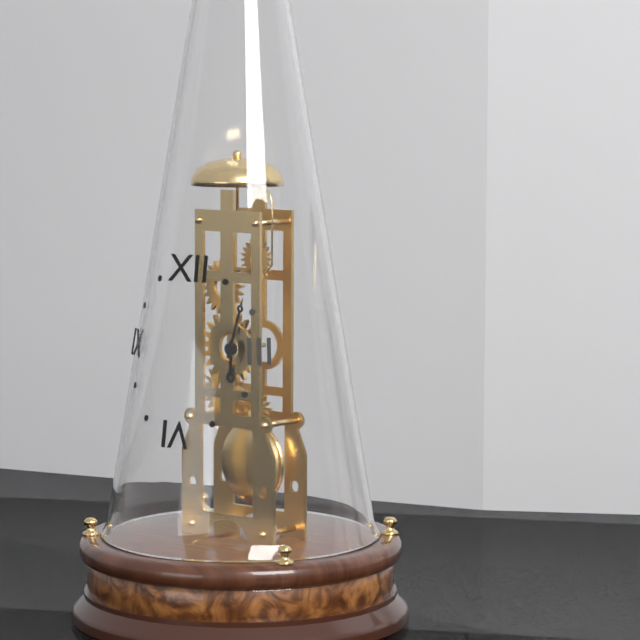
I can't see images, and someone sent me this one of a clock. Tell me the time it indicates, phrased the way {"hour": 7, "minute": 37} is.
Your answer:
{"hour": 6, "minute": 3}
